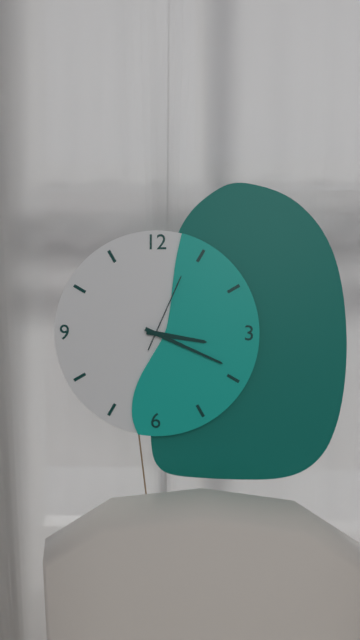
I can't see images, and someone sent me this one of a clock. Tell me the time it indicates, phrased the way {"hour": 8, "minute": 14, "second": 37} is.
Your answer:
{"hour": 3, "minute": 19, "second": 4}
